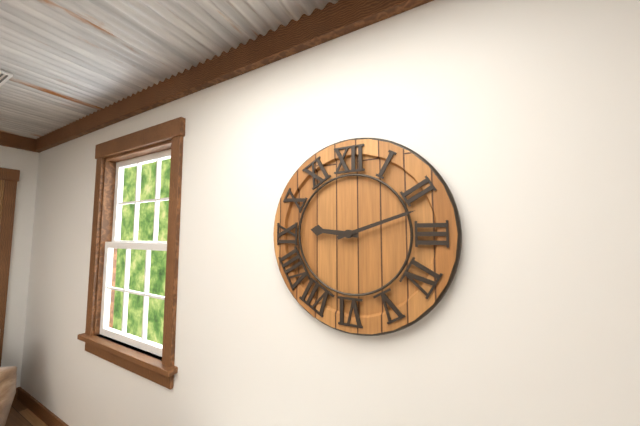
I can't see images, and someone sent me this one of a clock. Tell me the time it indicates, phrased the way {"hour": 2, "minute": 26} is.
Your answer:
{"hour": 9, "minute": 12}
